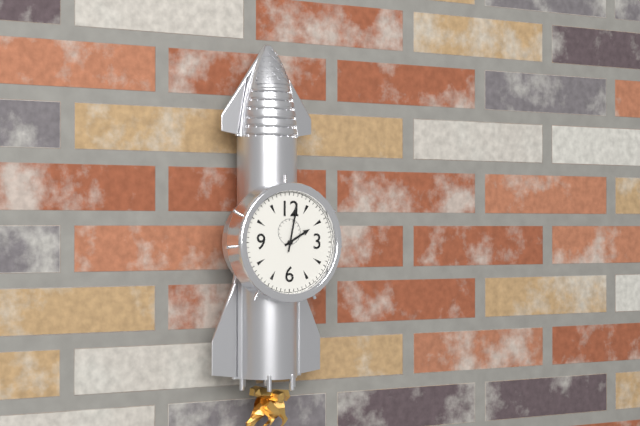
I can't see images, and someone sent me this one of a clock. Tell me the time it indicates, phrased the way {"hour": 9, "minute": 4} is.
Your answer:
{"hour": 2, "minute": 2}
